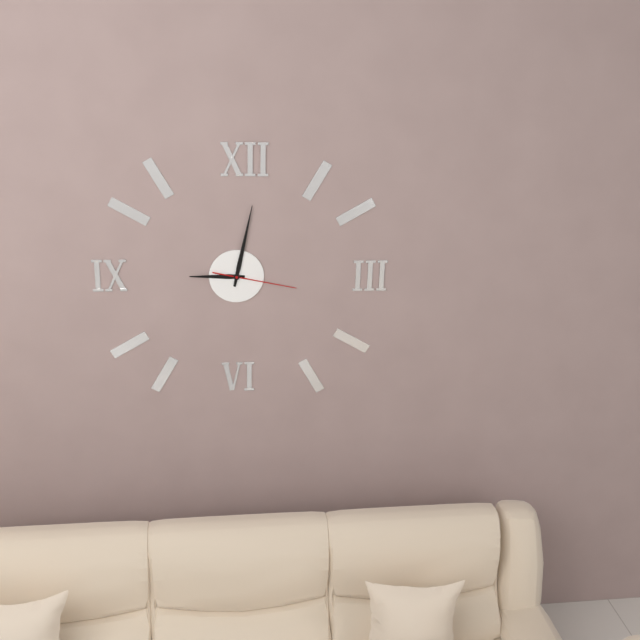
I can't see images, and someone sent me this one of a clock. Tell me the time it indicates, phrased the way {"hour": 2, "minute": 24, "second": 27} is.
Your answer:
{"hour": 9, "minute": 2, "second": 17}
